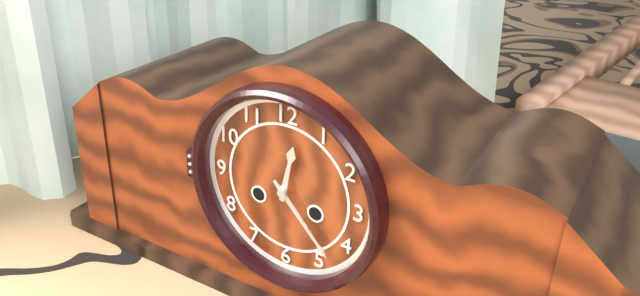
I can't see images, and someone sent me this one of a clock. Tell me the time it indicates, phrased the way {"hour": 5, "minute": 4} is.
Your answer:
{"hour": 12, "minute": 23}
